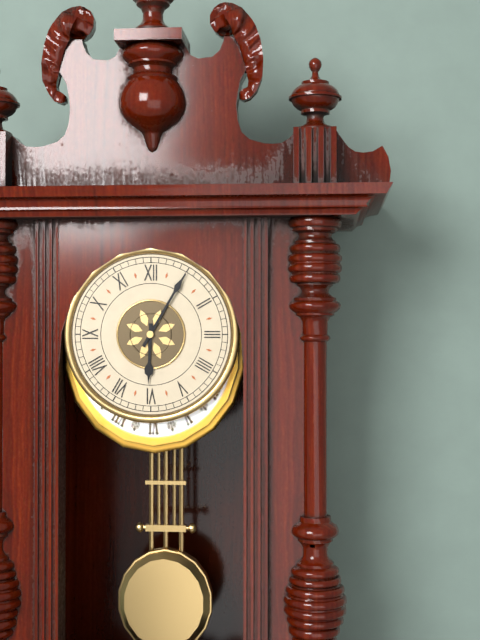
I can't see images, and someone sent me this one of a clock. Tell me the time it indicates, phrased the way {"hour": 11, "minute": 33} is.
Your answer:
{"hour": 6, "minute": 5}
